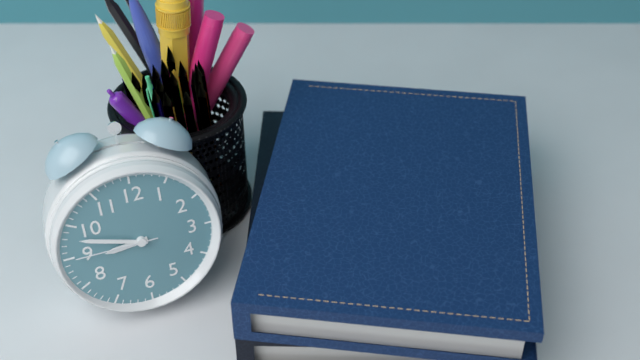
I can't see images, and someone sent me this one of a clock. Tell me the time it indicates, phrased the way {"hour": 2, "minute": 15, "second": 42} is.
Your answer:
{"hour": 8, "minute": 48, "second": 45}
